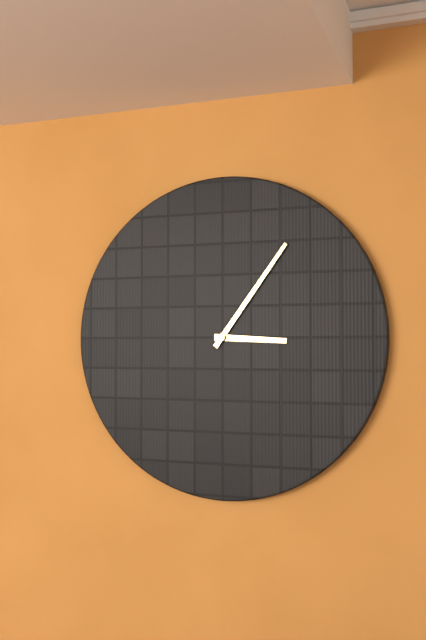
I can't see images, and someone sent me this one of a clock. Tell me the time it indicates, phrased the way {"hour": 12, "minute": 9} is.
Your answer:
{"hour": 3, "minute": 6}
